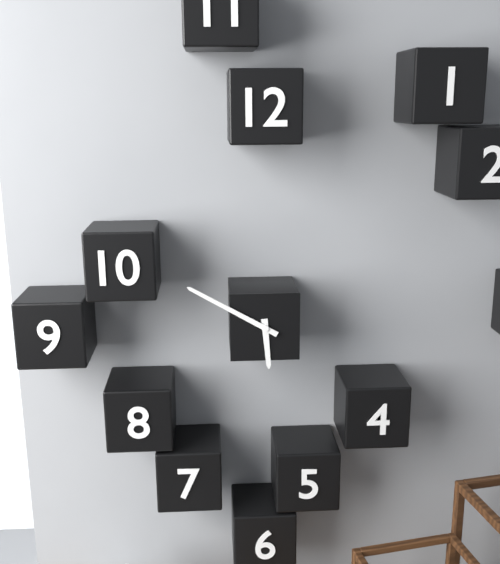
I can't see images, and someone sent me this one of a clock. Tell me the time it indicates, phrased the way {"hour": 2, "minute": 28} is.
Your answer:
{"hour": 5, "minute": 50}
